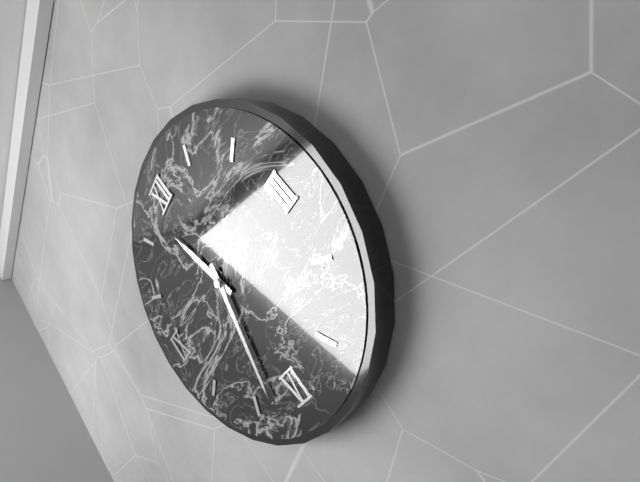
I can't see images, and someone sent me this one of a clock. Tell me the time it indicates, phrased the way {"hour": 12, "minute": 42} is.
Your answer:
{"hour": 11, "minute": 33}
